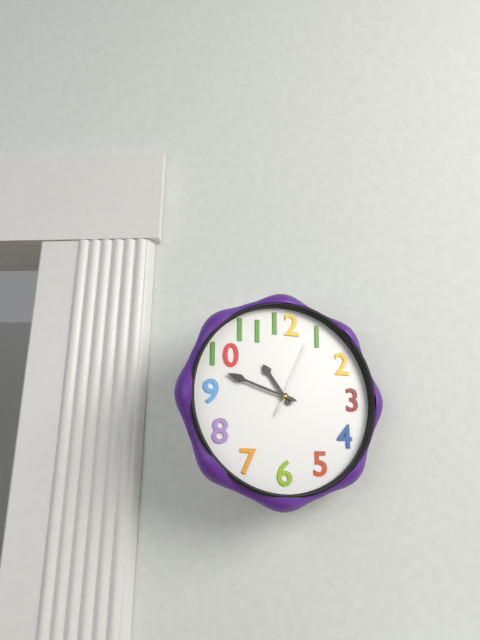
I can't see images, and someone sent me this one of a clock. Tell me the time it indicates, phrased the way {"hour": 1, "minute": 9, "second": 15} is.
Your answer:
{"hour": 10, "minute": 48, "second": 4}
